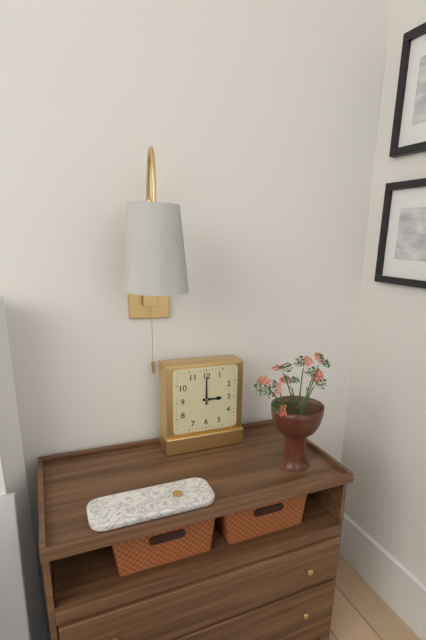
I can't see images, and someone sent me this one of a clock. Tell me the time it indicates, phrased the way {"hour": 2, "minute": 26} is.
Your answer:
{"hour": 3, "minute": 0}
